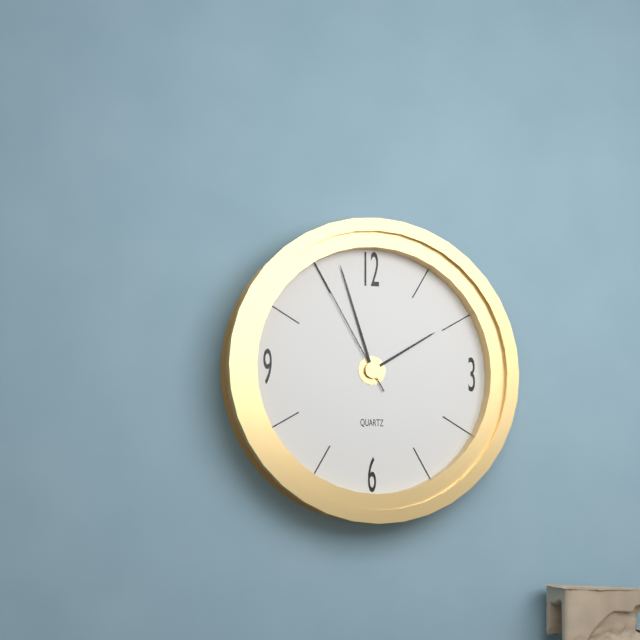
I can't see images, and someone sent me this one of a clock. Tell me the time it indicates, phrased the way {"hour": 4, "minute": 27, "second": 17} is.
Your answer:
{"hour": 1, "minute": 57, "second": 55}
